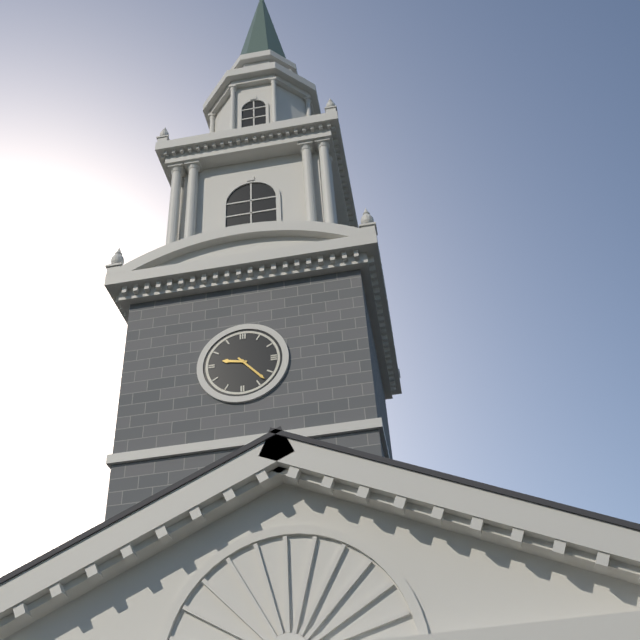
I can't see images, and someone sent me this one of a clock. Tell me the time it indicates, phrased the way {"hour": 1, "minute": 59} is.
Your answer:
{"hour": 9, "minute": 23}
